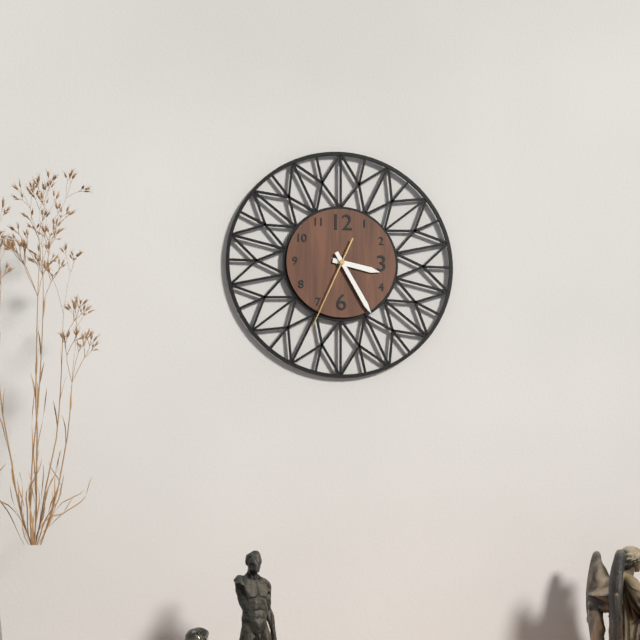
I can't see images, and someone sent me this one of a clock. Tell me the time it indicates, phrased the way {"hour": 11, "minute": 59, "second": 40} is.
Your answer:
{"hour": 3, "minute": 25, "second": 34}
